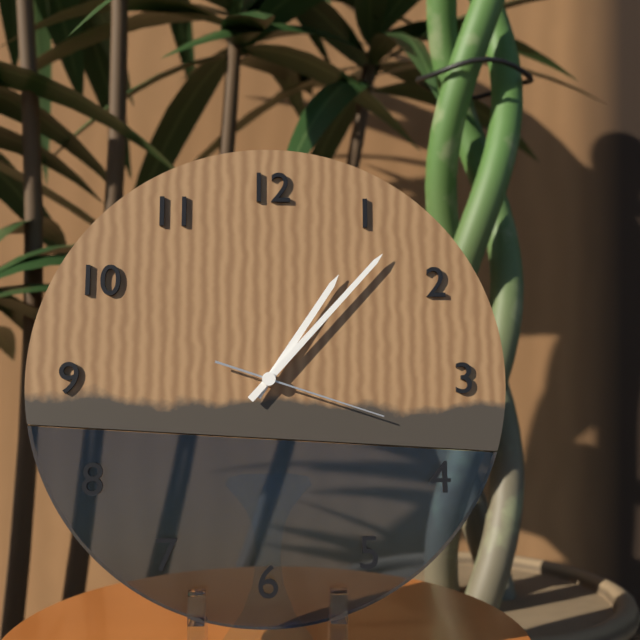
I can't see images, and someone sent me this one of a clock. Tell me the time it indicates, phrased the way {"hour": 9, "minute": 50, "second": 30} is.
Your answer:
{"hour": 1, "minute": 7, "second": 18}
